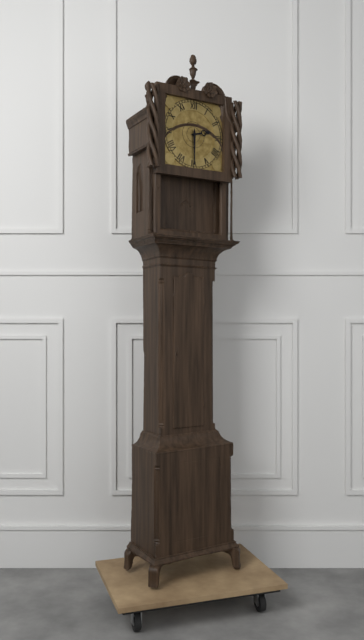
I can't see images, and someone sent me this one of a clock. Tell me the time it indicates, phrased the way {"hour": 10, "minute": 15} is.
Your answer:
{"hour": 2, "minute": 30}
